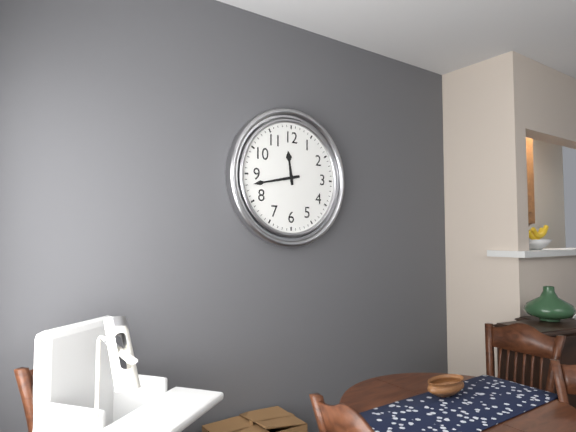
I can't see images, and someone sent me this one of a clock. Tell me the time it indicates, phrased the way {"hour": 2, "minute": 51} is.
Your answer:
{"hour": 11, "minute": 43}
